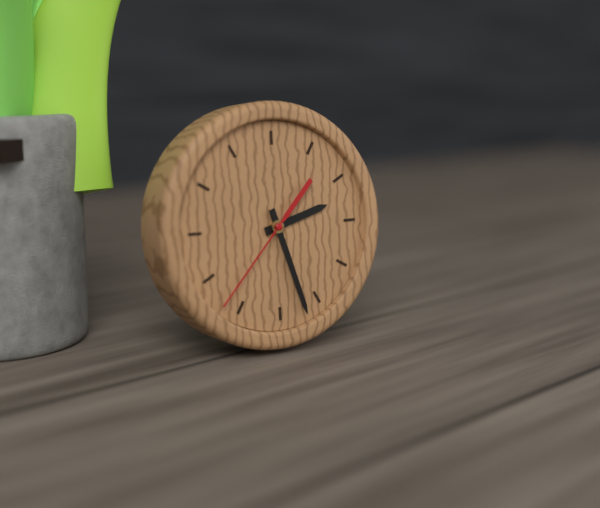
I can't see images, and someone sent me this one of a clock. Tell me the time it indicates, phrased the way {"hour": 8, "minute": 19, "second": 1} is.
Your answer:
{"hour": 2, "minute": 27, "second": 37}
